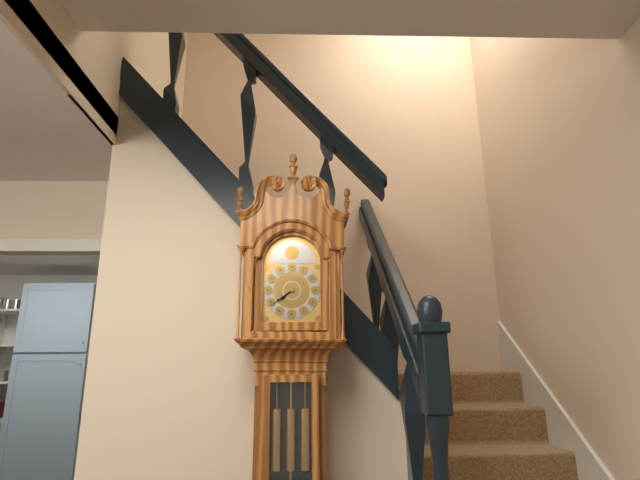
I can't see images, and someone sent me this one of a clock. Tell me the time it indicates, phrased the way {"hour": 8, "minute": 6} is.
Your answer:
{"hour": 7, "minute": 39}
